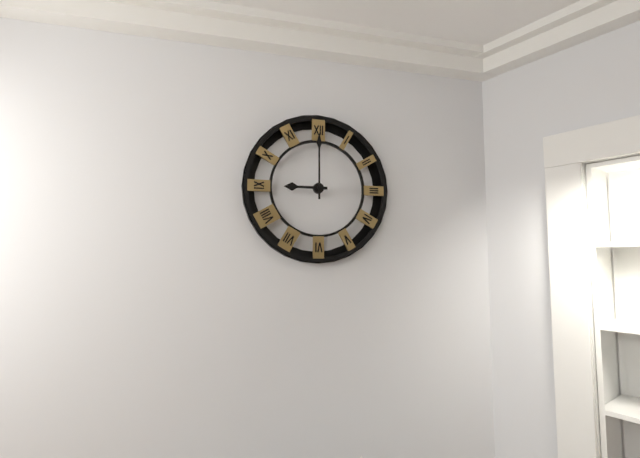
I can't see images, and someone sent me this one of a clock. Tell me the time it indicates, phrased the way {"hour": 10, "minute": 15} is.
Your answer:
{"hour": 9, "minute": 0}
